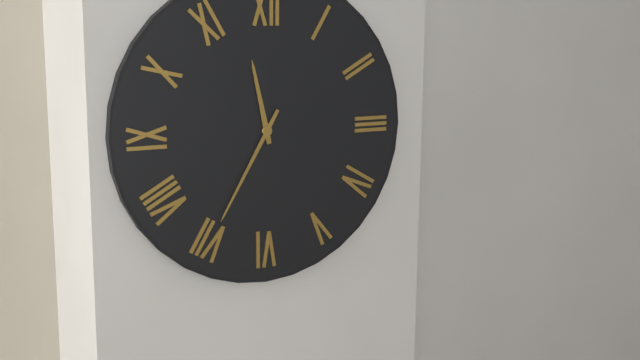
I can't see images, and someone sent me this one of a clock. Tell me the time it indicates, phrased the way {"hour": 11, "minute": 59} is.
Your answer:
{"hour": 11, "minute": 35}
